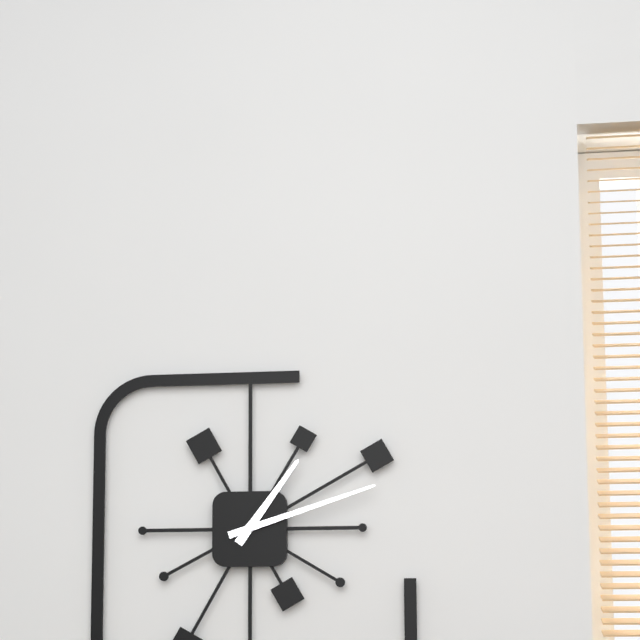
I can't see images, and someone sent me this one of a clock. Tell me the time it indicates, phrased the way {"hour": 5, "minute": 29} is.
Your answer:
{"hour": 1, "minute": 12}
